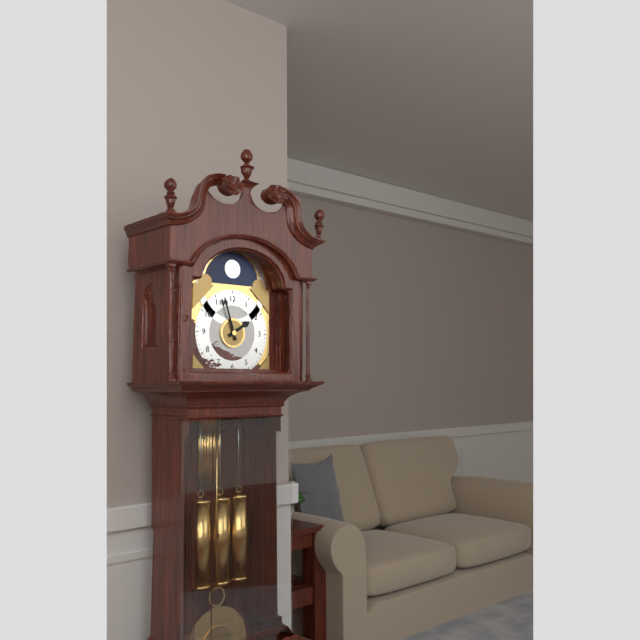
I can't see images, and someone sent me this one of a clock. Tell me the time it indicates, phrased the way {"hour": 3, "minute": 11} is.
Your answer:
{"hour": 1, "minute": 57}
